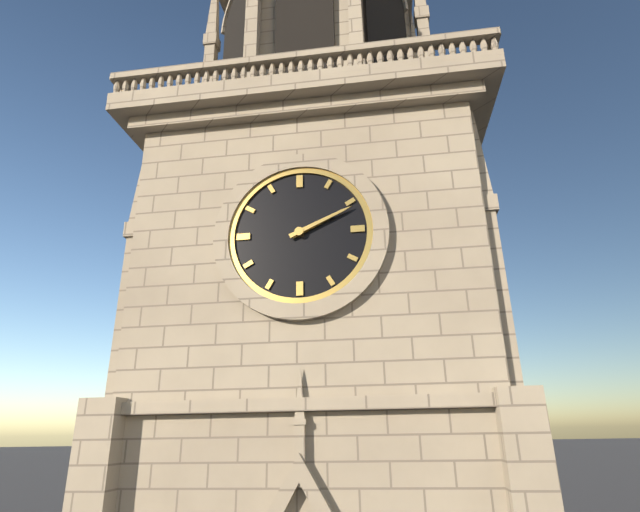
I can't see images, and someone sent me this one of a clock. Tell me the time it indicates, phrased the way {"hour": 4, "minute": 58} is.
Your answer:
{"hour": 2, "minute": 11}
